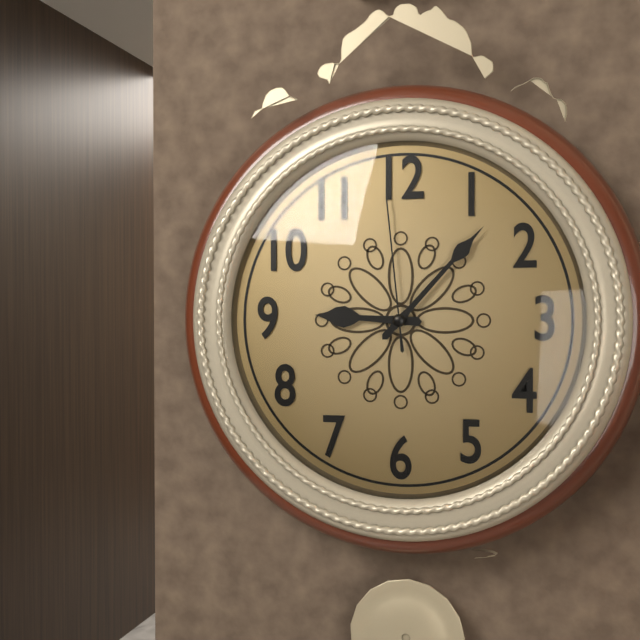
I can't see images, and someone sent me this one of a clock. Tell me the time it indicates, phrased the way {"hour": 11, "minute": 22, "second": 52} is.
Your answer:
{"hour": 9, "minute": 7, "second": 59}
